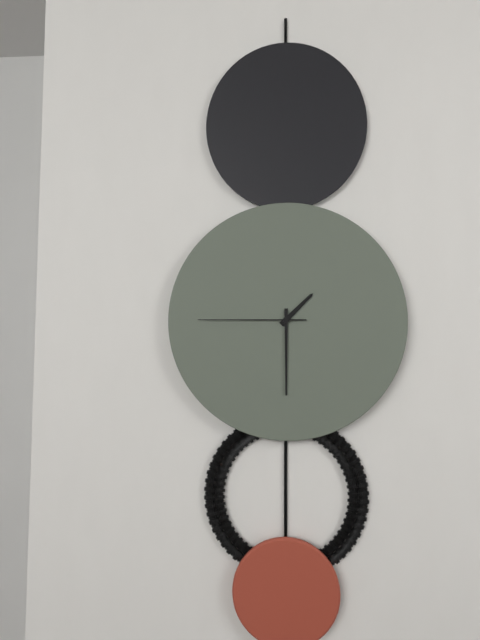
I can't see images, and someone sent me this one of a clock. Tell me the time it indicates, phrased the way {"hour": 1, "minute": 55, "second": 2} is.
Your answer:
{"hour": 1, "minute": 30, "second": 45}
